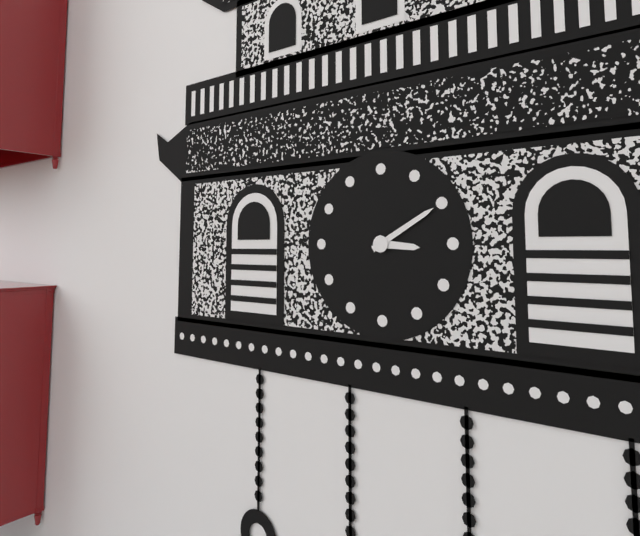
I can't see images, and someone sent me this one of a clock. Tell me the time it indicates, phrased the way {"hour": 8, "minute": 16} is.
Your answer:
{"hour": 3, "minute": 10}
